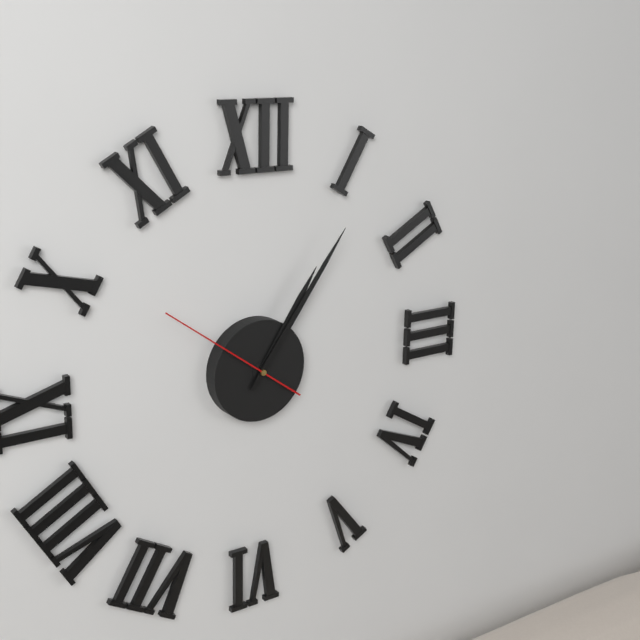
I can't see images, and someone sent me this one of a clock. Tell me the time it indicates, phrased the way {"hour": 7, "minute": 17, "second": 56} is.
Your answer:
{"hour": 1, "minute": 6, "second": 51}
